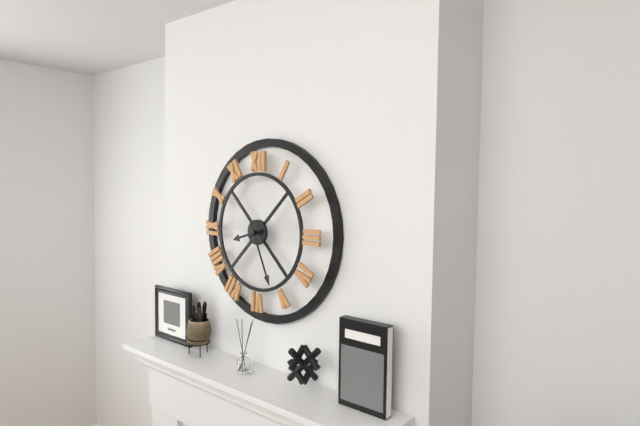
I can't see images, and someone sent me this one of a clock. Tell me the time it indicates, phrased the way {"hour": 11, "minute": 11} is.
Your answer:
{"hour": 8, "minute": 26}
